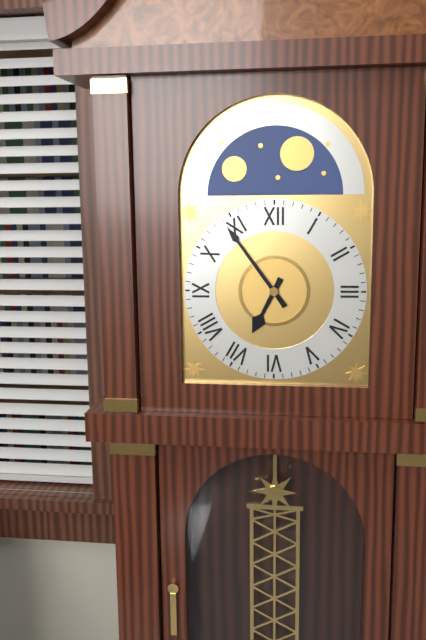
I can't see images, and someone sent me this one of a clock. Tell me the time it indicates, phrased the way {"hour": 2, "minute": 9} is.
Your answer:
{"hour": 6, "minute": 54}
